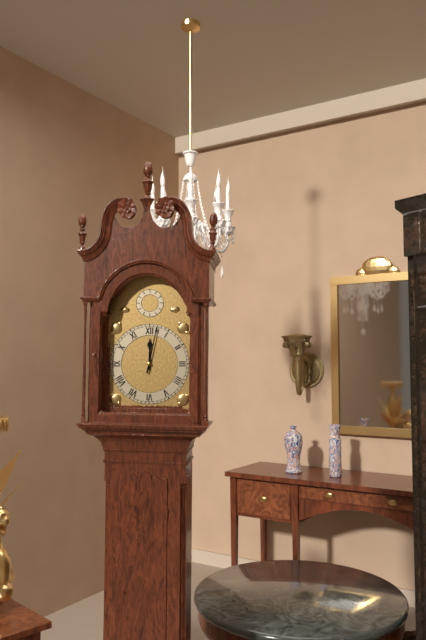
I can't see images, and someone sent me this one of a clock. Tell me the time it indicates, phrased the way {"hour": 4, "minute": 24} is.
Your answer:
{"hour": 12, "minute": 2}
